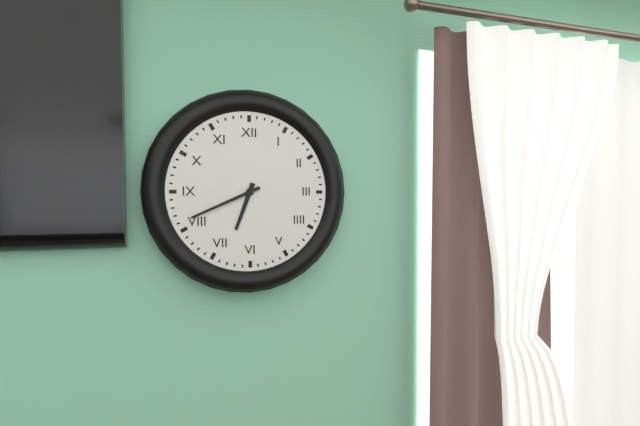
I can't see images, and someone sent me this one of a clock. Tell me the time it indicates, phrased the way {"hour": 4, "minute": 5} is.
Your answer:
{"hour": 6, "minute": 41}
